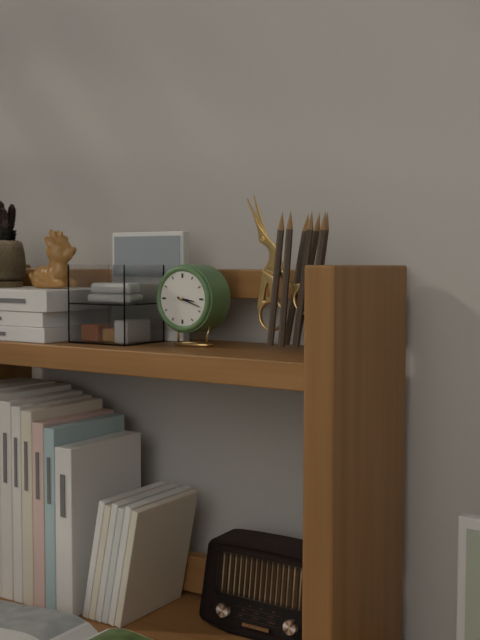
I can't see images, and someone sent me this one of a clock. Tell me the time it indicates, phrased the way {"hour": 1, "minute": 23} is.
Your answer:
{"hour": 3, "minute": 18}
